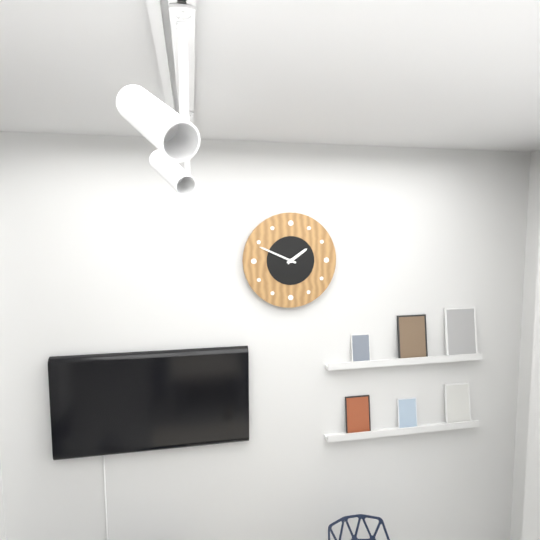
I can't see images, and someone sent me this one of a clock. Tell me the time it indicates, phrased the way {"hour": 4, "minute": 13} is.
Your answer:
{"hour": 1, "minute": 49}
